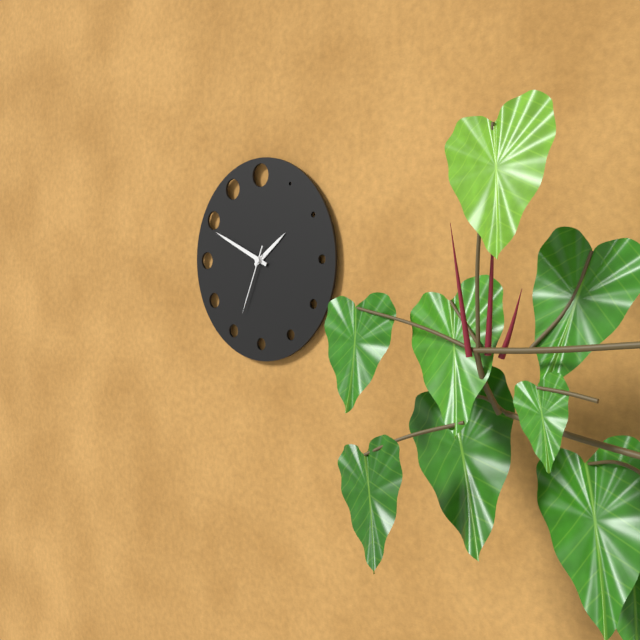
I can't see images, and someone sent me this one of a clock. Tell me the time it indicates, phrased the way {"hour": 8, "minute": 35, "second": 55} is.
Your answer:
{"hour": 1, "minute": 49, "second": 34}
